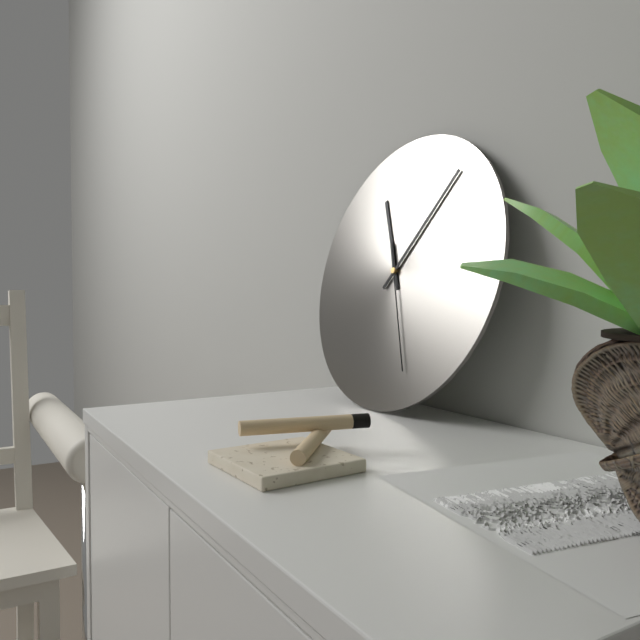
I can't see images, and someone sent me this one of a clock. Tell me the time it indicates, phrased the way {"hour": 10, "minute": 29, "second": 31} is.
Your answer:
{"hour": 11, "minute": 6, "second": 26}
